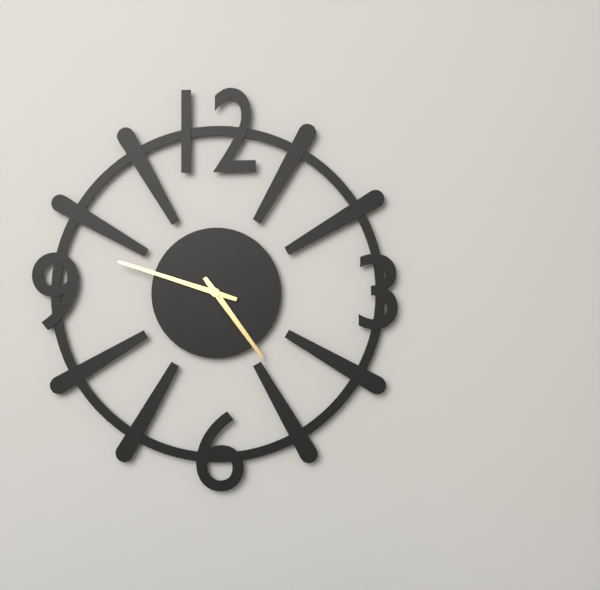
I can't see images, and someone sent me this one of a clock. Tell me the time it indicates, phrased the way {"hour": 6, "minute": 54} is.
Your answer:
{"hour": 4, "minute": 48}
